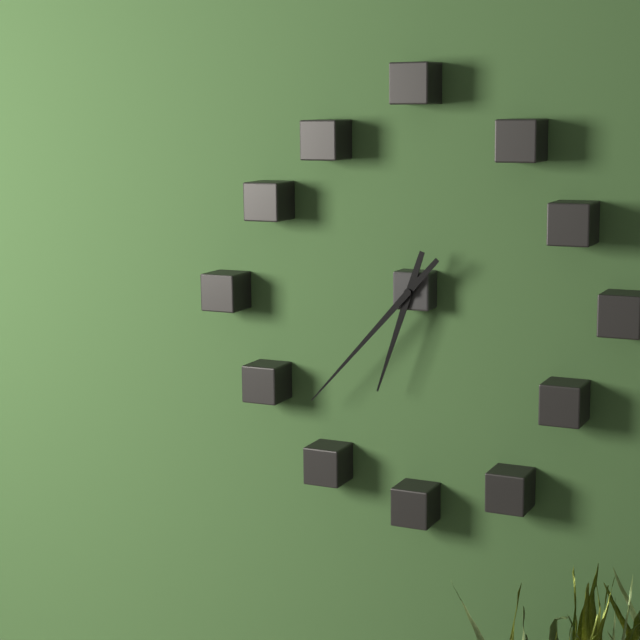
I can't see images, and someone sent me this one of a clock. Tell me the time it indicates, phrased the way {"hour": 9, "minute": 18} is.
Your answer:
{"hour": 6, "minute": 37}
